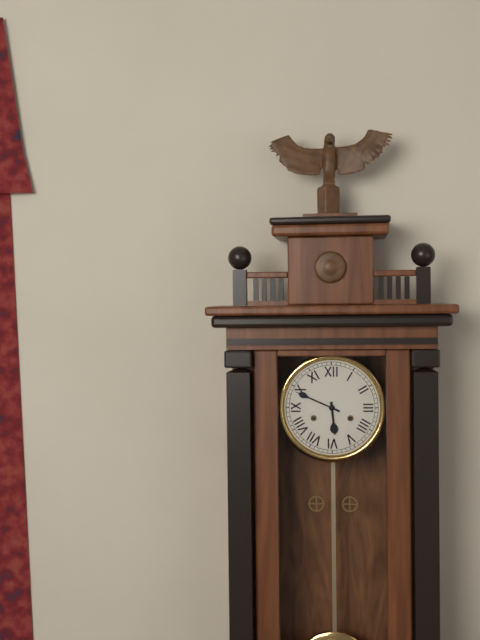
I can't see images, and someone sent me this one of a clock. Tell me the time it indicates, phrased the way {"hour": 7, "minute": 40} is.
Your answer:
{"hour": 5, "minute": 49}
